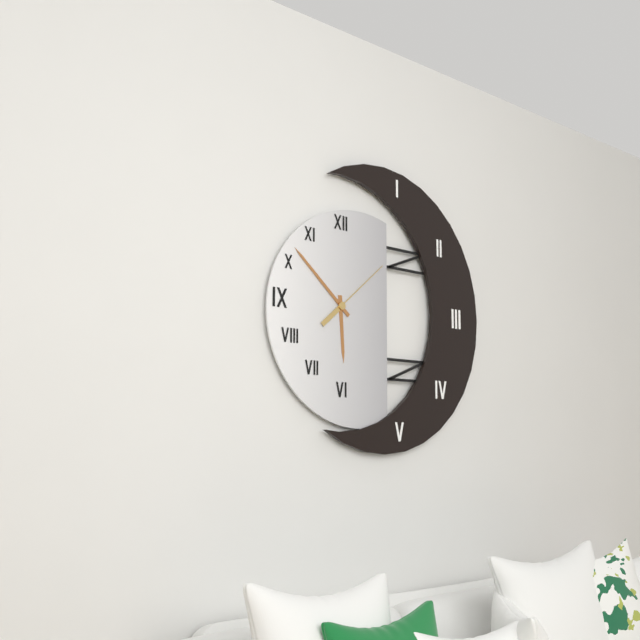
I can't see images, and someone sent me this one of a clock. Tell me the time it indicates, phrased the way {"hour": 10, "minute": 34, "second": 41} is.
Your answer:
{"hour": 5, "minute": 52, "second": 8}
